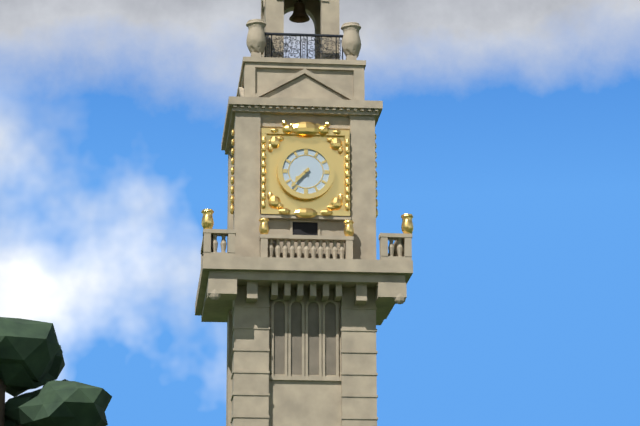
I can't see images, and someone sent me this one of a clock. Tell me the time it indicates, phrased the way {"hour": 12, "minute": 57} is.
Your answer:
{"hour": 7, "minute": 37}
